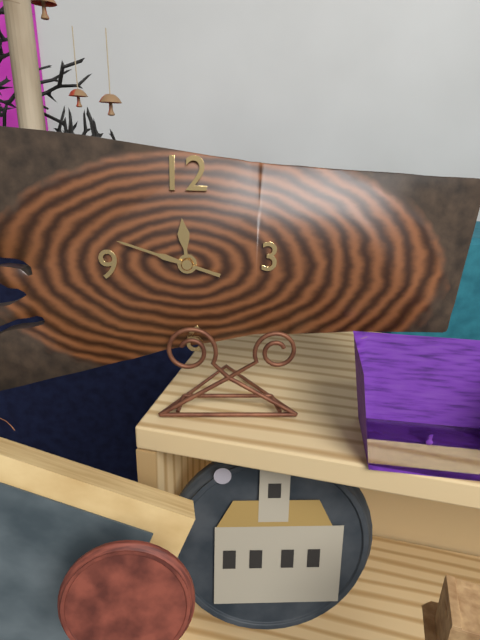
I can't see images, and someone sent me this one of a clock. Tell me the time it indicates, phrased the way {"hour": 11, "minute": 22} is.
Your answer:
{"hour": 11, "minute": 48}
